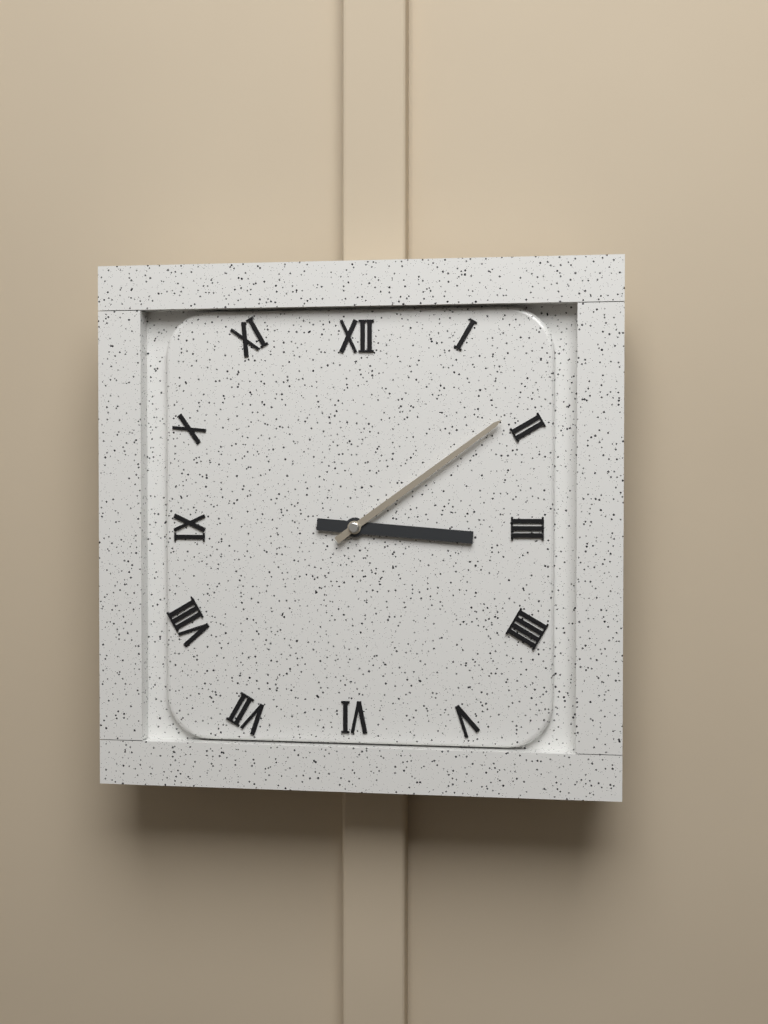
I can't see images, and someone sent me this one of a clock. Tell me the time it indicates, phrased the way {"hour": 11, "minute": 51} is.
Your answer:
{"hour": 3, "minute": 9}
